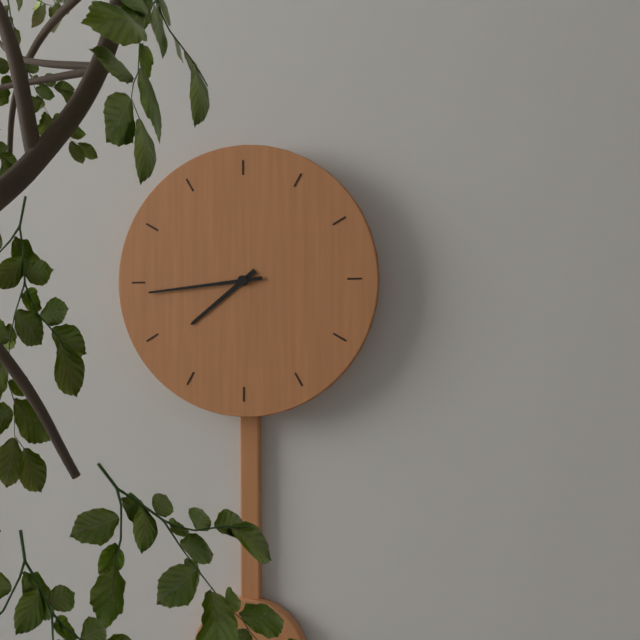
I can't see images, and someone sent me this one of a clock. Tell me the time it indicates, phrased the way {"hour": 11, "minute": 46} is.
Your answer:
{"hour": 7, "minute": 44}
